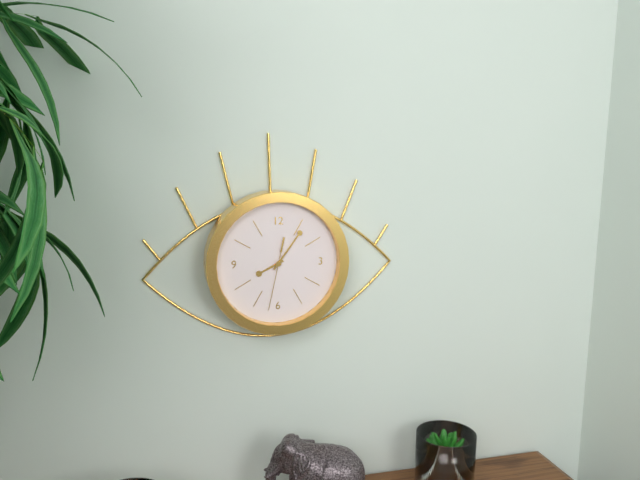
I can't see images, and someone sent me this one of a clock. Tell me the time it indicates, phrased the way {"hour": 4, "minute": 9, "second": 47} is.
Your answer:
{"hour": 8, "minute": 6, "second": 32}
